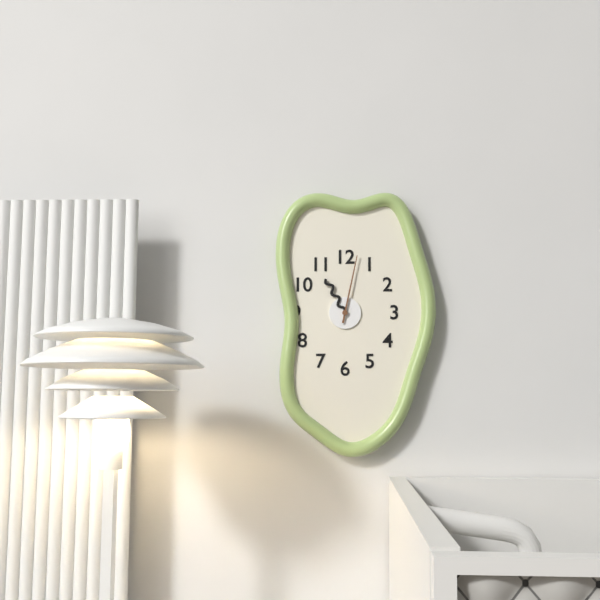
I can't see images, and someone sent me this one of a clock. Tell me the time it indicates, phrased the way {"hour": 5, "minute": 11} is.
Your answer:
{"hour": 11, "minute": 2}
